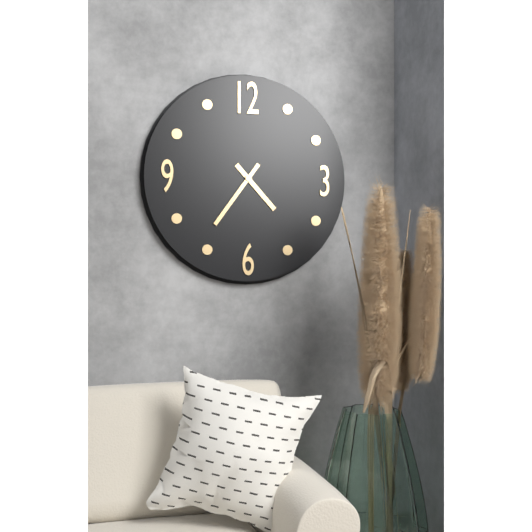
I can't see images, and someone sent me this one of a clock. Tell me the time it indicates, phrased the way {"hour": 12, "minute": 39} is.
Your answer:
{"hour": 4, "minute": 36}
